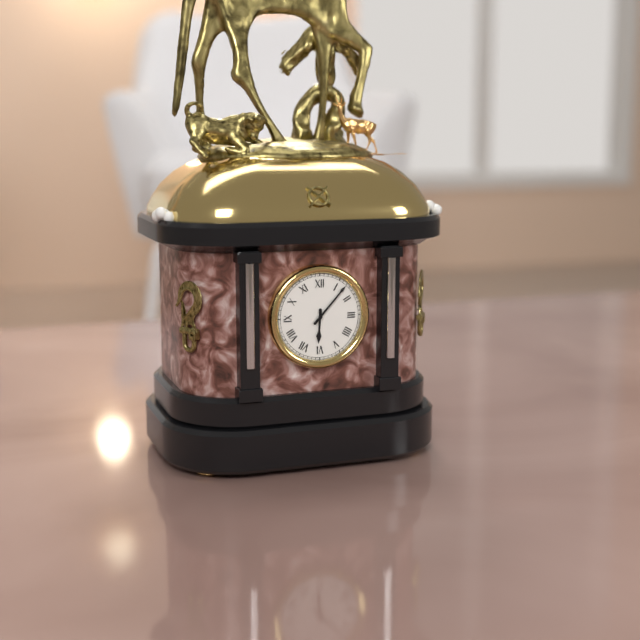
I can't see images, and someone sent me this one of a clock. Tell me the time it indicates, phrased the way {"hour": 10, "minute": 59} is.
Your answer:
{"hour": 6, "minute": 7}
